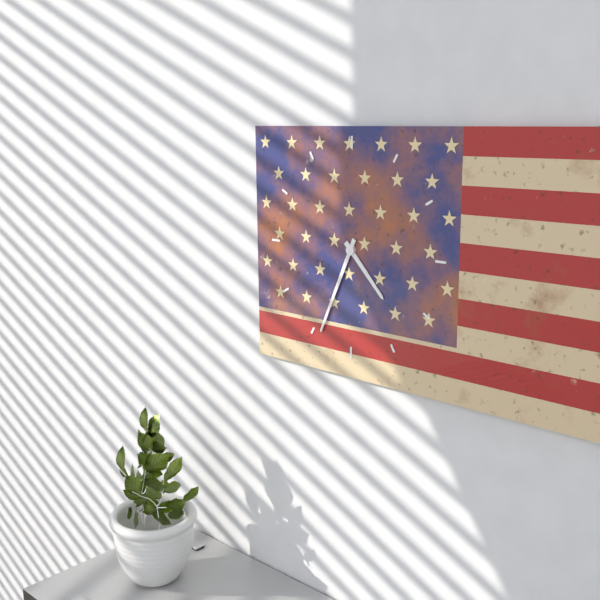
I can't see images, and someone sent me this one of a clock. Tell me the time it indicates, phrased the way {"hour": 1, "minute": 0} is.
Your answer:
{"hour": 4, "minute": 34}
